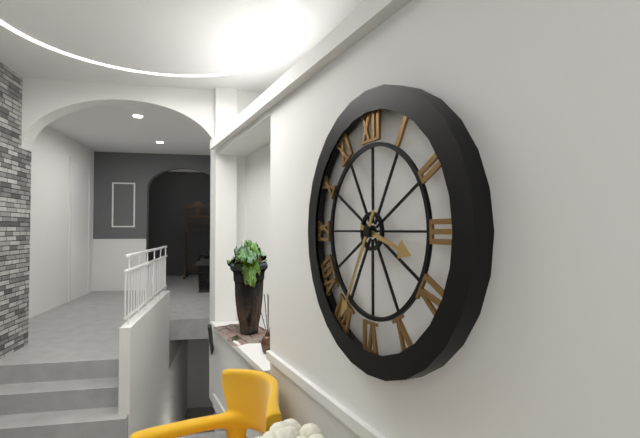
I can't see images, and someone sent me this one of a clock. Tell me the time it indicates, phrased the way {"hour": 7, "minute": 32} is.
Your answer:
{"hour": 3, "minute": 35}
